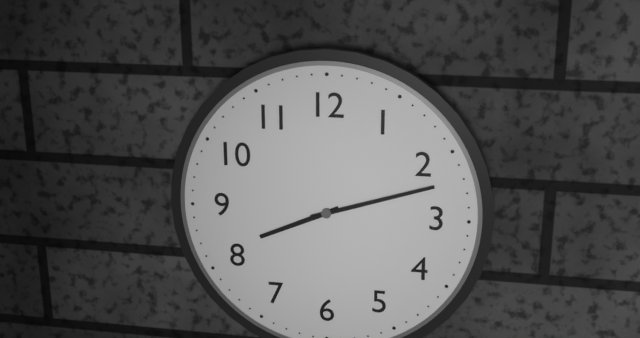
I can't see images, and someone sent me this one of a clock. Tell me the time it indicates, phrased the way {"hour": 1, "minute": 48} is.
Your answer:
{"hour": 8, "minute": 12}
